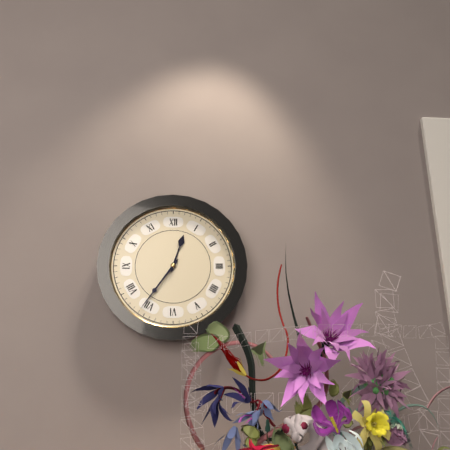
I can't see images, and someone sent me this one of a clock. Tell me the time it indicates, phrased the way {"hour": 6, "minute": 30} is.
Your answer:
{"hour": 12, "minute": 36}
